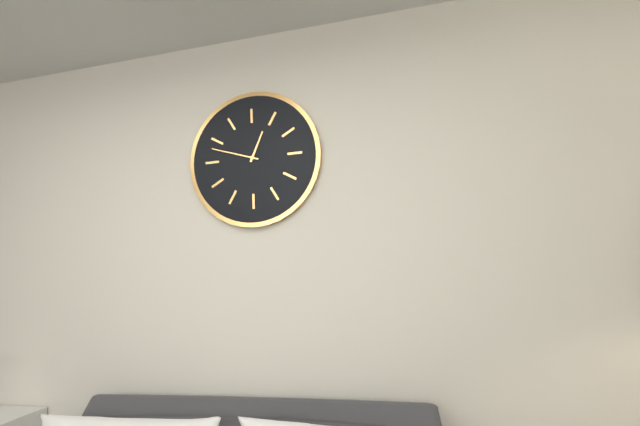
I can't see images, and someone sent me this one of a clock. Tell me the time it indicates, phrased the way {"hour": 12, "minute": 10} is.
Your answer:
{"hour": 12, "minute": 48}
